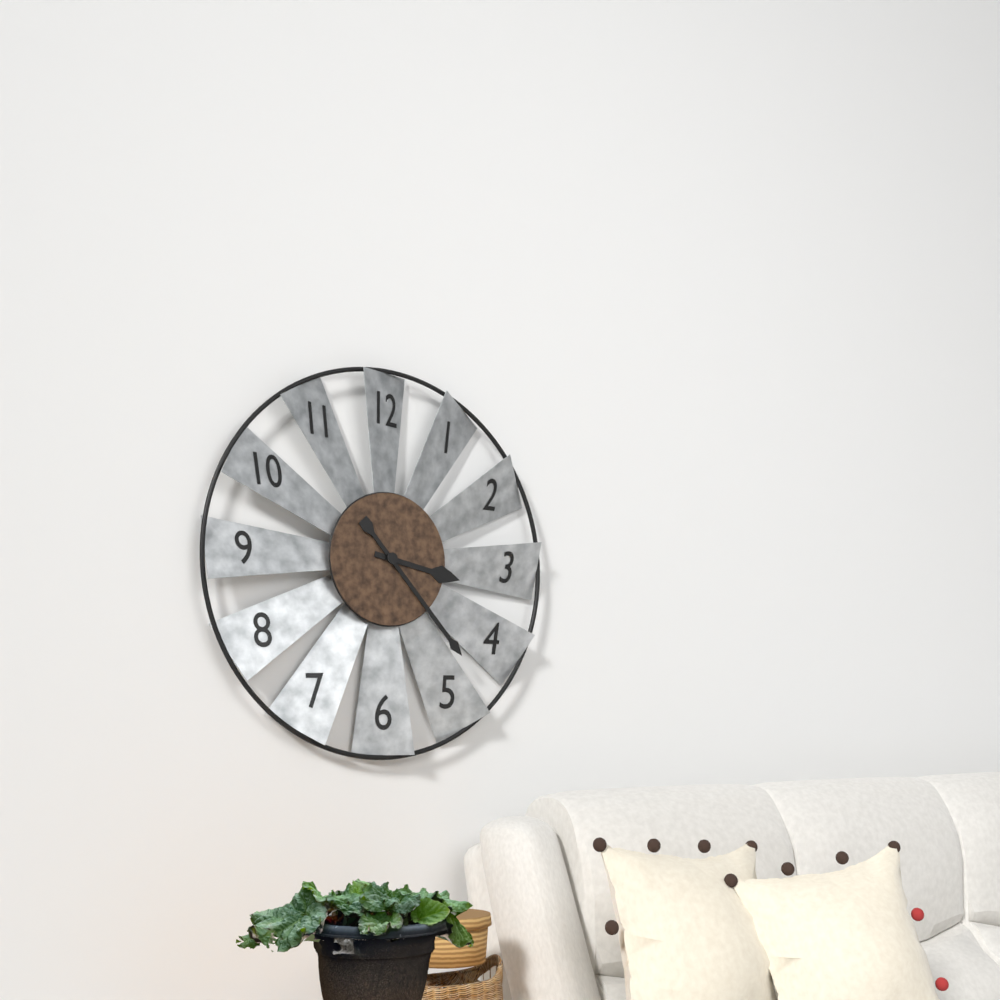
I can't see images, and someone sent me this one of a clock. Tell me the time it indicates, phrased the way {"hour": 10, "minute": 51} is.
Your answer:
{"hour": 3, "minute": 23}
